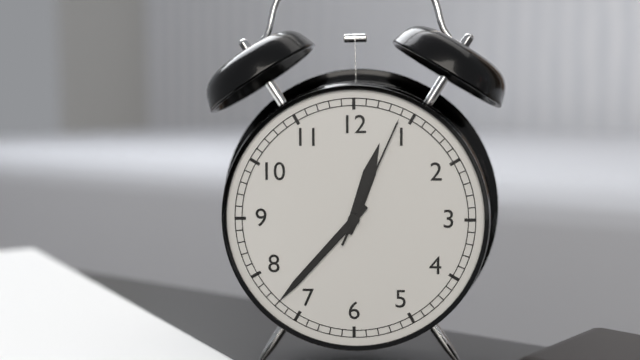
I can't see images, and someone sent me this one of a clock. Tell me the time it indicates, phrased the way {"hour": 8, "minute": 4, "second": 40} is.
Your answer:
{"hour": 12, "minute": 37, "second": 4}
